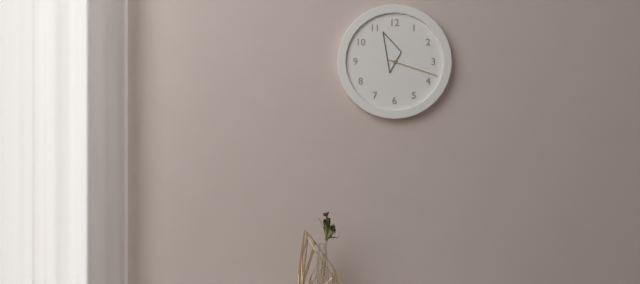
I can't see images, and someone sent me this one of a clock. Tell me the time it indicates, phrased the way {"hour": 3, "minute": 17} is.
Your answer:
{"hour": 11, "minute": 18}
